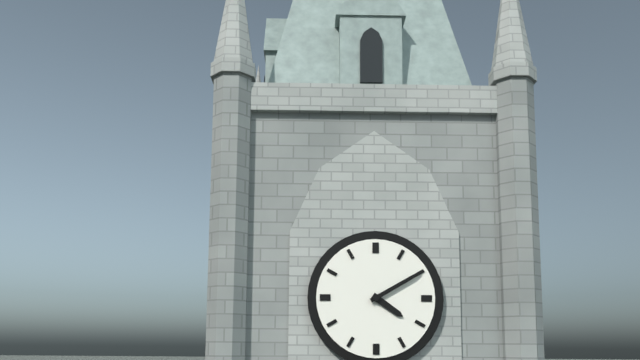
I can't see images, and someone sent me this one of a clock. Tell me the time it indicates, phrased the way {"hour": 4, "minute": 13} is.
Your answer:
{"hour": 4, "minute": 10}
